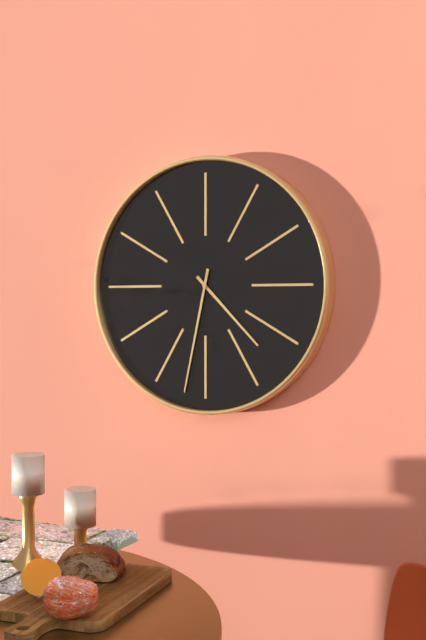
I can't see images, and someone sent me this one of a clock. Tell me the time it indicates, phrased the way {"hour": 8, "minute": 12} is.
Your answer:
{"hour": 4, "minute": 32}
